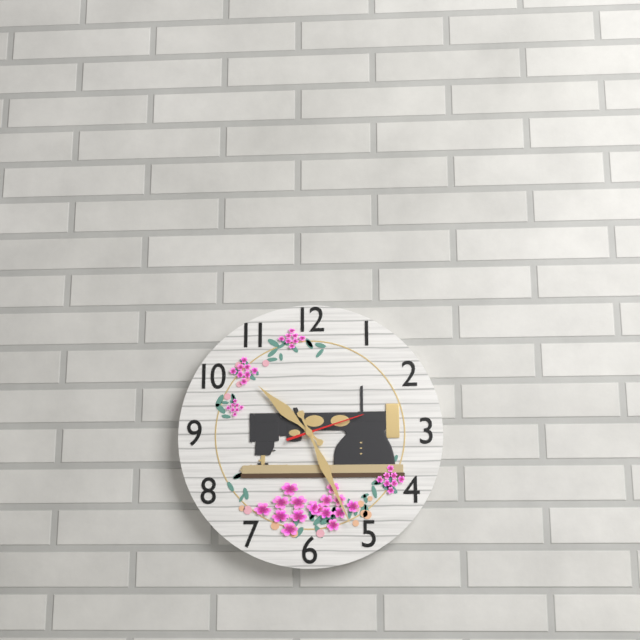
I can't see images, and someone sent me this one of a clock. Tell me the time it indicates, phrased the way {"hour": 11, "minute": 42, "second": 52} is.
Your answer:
{"hour": 10, "minute": 26, "second": 12}
